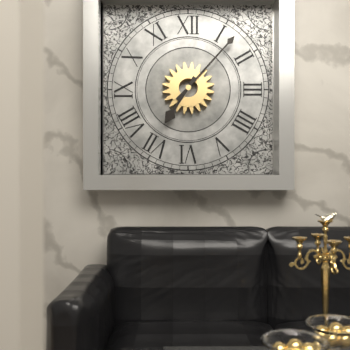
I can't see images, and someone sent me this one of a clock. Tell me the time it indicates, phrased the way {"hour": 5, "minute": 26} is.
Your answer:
{"hour": 7, "minute": 7}
